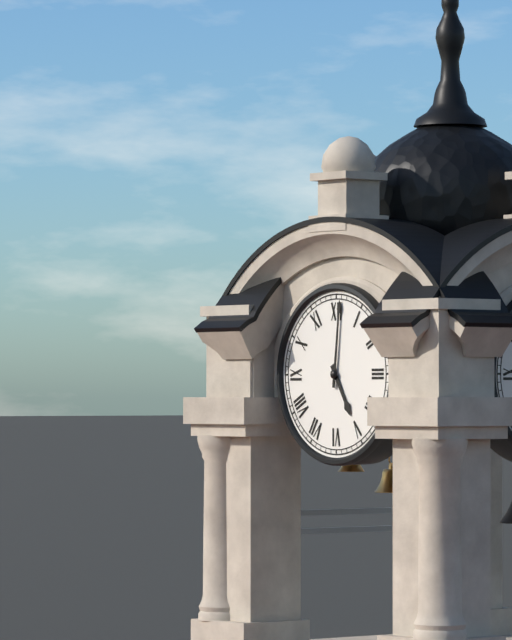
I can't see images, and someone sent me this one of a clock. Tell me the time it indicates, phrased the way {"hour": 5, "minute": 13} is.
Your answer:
{"hour": 5, "minute": 1}
